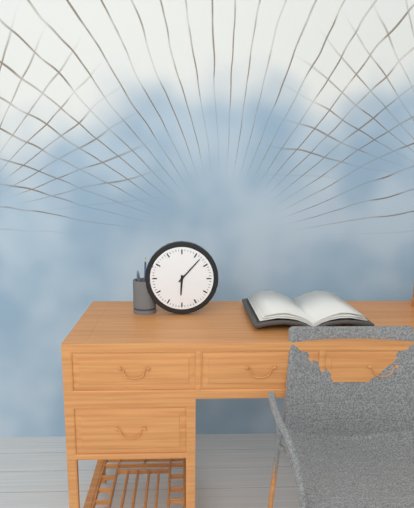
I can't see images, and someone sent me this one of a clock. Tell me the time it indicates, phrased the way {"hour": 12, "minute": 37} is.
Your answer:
{"hour": 6, "minute": 7}
